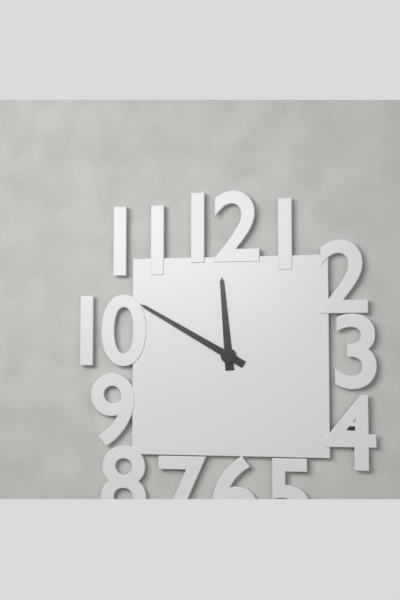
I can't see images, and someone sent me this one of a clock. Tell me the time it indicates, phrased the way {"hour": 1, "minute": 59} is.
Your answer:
{"hour": 11, "minute": 50}
